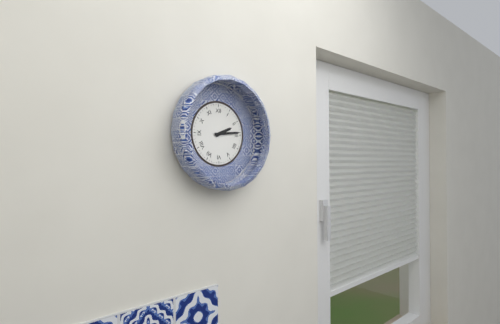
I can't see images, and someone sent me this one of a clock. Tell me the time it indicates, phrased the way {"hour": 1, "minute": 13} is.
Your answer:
{"hour": 2, "minute": 14}
